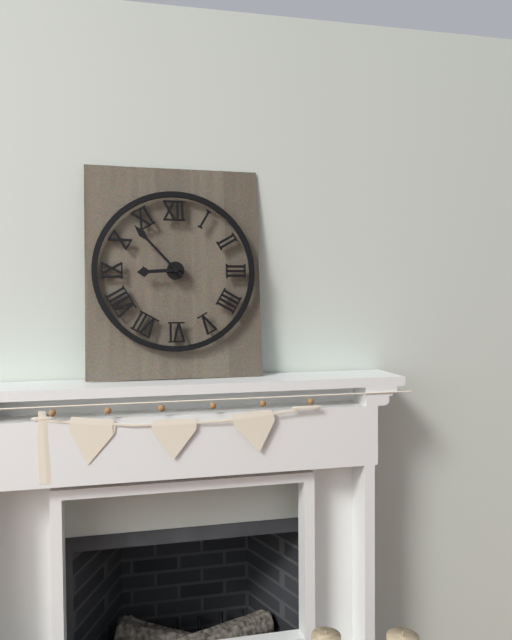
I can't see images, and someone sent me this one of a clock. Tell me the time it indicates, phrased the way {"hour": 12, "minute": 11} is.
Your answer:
{"hour": 8, "minute": 53}
